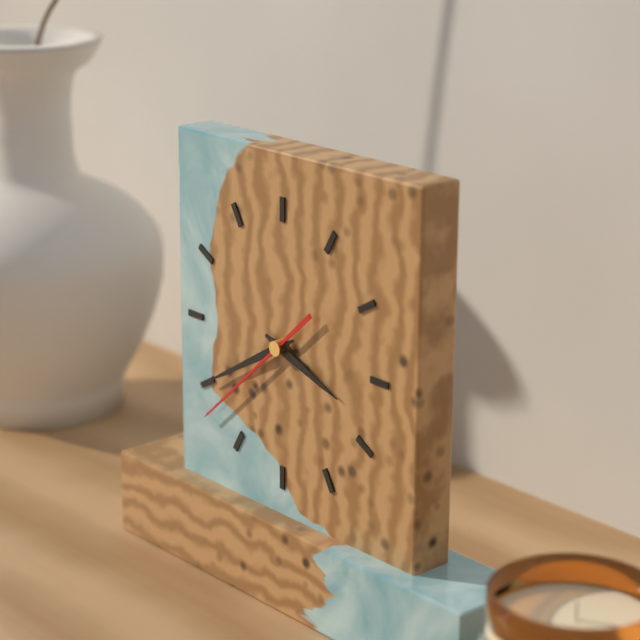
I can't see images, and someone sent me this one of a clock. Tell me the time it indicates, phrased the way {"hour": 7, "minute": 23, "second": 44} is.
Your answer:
{"hour": 3, "minute": 40, "second": 38}
